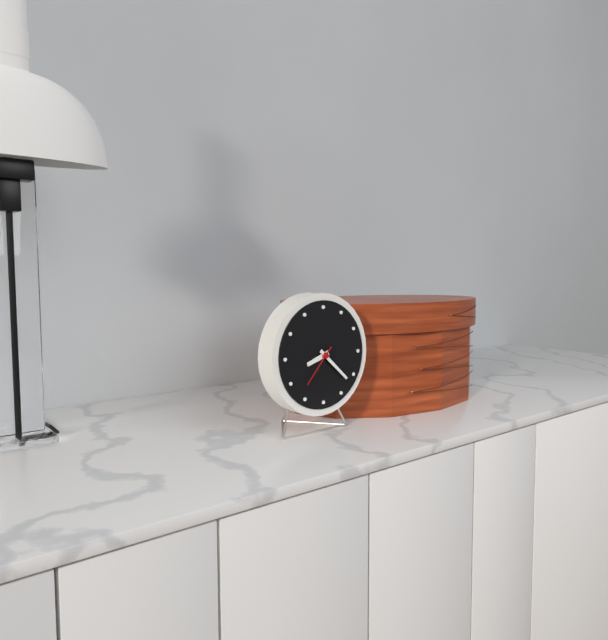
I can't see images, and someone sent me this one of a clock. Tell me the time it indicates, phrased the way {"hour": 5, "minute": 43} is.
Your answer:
{"hour": 8, "minute": 22}
